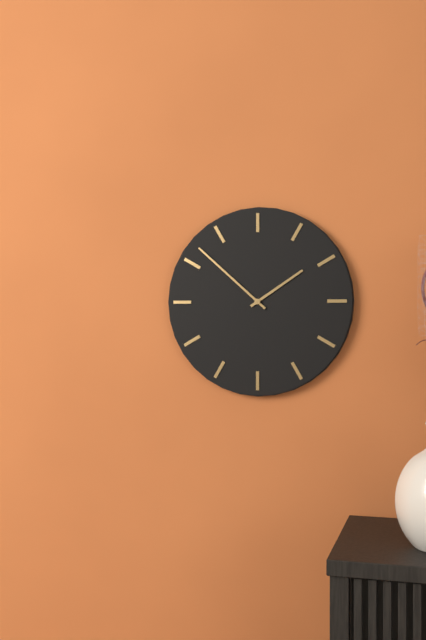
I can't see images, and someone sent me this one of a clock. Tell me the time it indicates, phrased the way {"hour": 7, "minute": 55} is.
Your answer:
{"hour": 1, "minute": 52}
